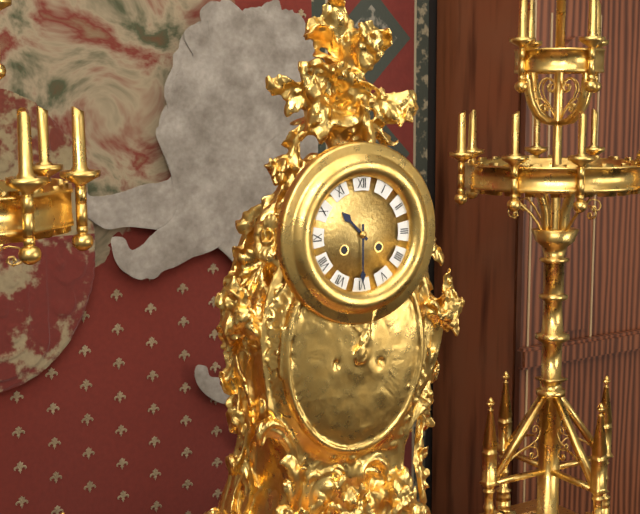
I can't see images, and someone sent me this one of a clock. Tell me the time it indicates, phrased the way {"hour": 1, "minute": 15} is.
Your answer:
{"hour": 10, "minute": 30}
